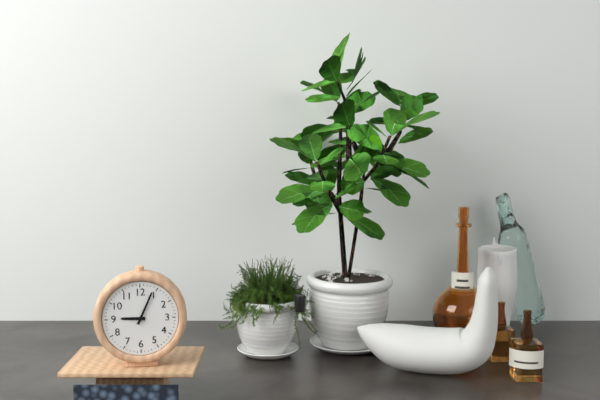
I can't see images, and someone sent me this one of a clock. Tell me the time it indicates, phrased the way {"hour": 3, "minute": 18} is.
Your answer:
{"hour": 9, "minute": 4}
